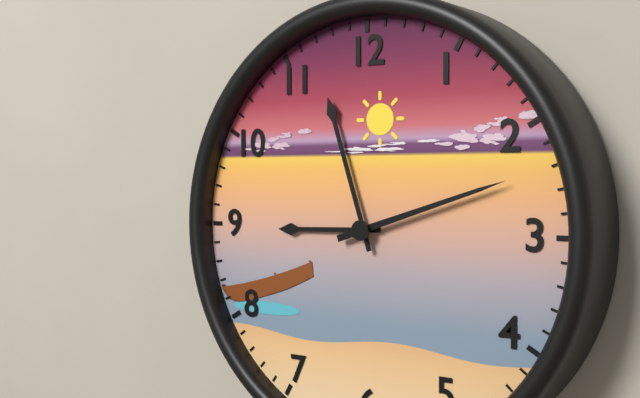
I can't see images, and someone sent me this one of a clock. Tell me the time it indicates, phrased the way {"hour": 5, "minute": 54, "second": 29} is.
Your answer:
{"hour": 8, "minute": 57, "second": 12}
